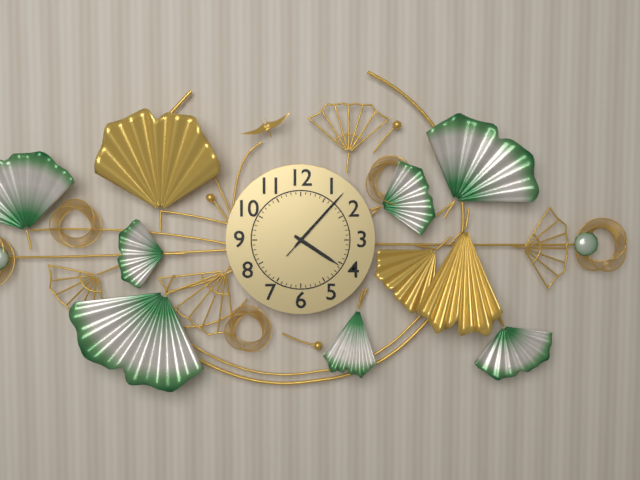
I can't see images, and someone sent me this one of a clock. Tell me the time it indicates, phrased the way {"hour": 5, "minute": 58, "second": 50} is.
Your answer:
{"hour": 4, "minute": 7, "second": 7}
